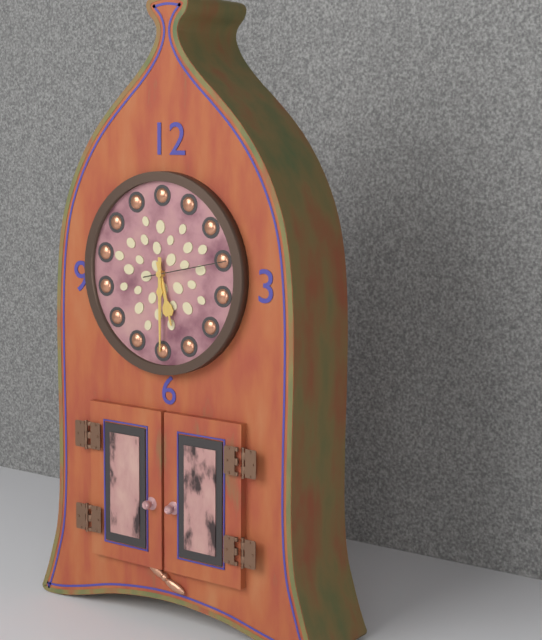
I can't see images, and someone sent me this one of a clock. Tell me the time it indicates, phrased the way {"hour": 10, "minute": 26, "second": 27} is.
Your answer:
{"hour": 5, "minute": 30, "second": 13}
